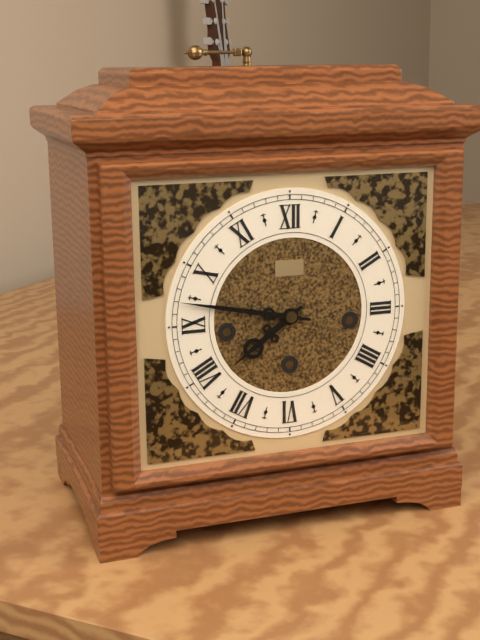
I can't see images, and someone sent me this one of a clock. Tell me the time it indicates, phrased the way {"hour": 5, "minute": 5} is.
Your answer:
{"hour": 7, "minute": 47}
